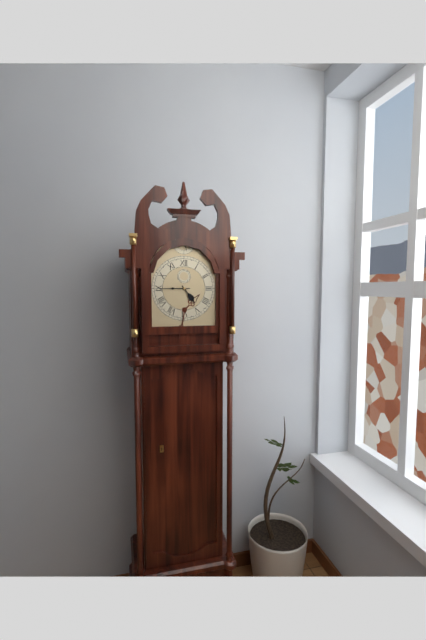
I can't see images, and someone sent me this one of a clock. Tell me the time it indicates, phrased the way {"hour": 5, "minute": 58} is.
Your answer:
{"hour": 4, "minute": 45}
